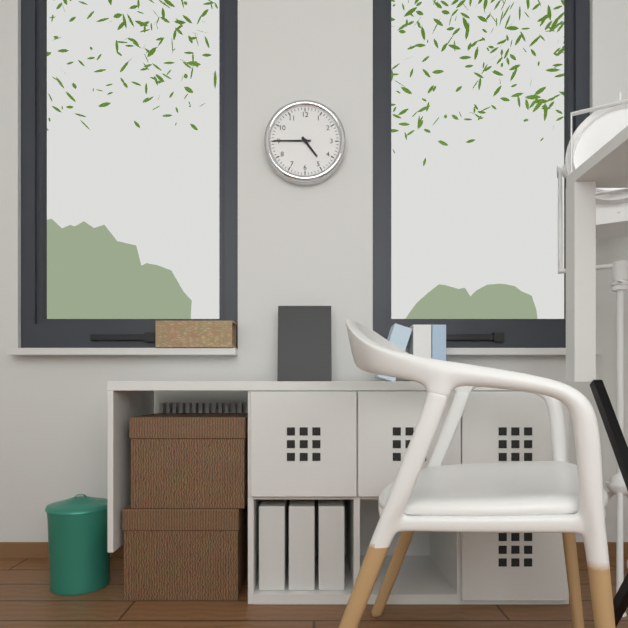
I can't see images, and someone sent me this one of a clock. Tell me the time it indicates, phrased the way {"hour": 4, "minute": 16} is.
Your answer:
{"hour": 4, "minute": 45}
